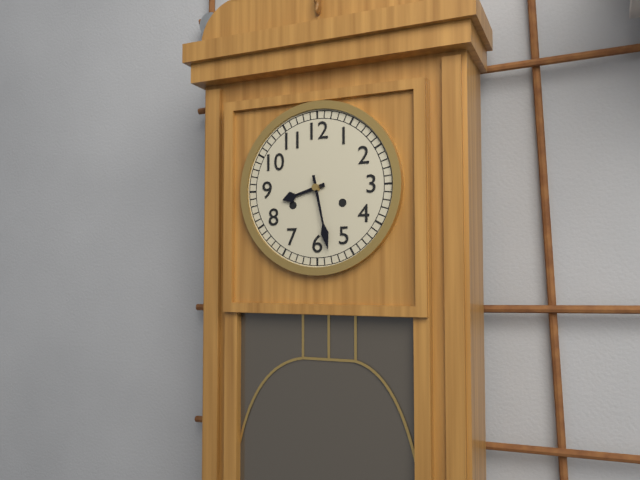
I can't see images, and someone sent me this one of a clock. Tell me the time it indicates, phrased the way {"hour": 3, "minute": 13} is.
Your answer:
{"hour": 8, "minute": 28}
